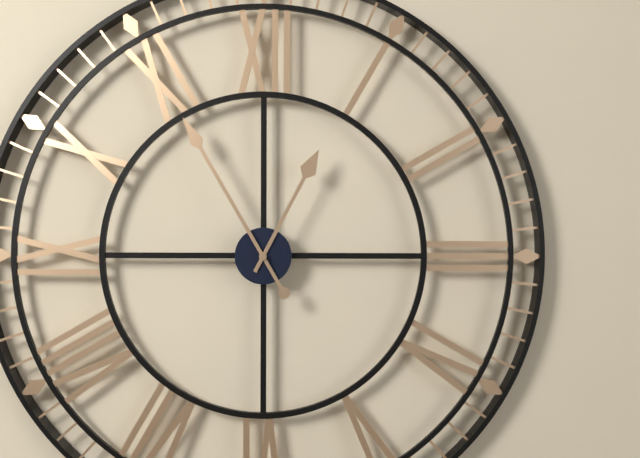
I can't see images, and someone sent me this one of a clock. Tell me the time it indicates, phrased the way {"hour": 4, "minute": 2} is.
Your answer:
{"hour": 12, "minute": 55}
